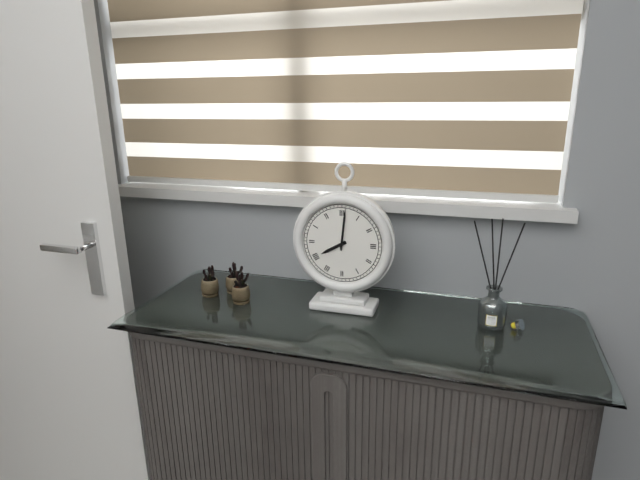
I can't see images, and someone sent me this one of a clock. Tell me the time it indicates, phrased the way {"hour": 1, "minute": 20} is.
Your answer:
{"hour": 8, "minute": 1}
